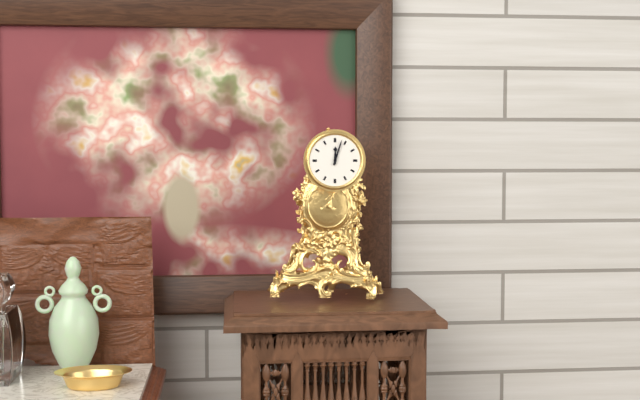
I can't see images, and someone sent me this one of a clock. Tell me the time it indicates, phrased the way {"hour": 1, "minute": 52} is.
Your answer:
{"hour": 12, "minute": 3}
